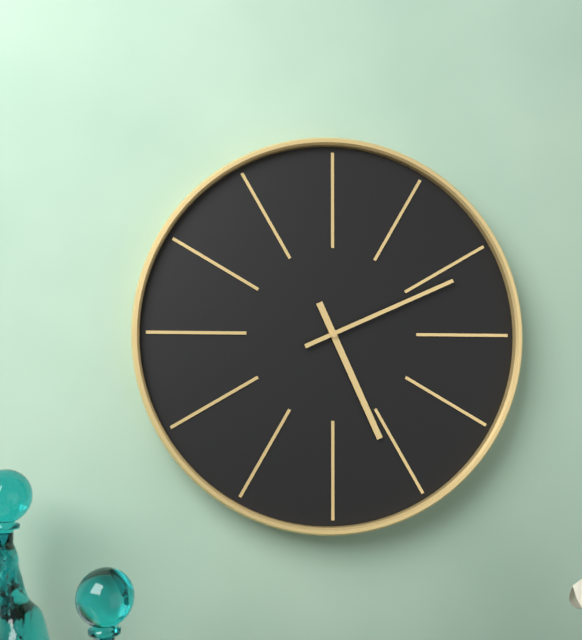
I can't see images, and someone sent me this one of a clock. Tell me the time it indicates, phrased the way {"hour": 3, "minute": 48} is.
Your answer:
{"hour": 5, "minute": 11}
